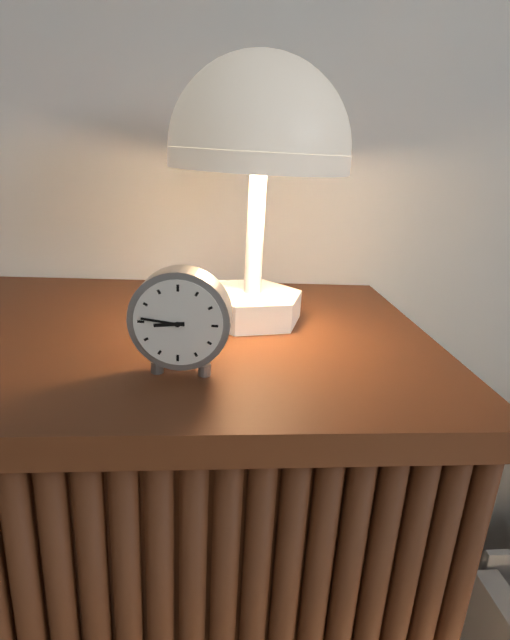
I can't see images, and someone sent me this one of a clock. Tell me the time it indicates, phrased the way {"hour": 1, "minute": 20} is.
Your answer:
{"hour": 8, "minute": 46}
